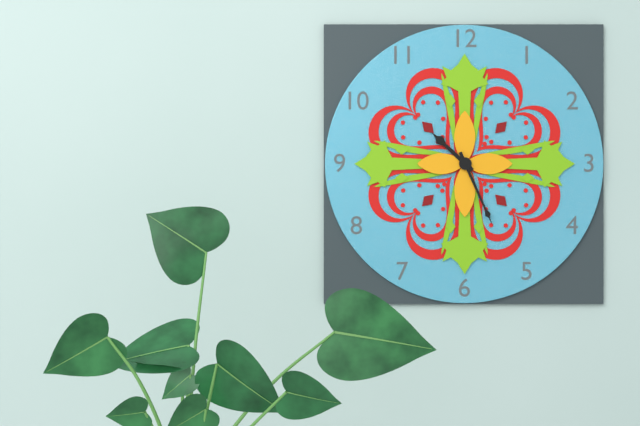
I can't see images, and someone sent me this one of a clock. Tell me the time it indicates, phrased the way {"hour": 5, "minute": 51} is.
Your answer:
{"hour": 10, "minute": 26}
